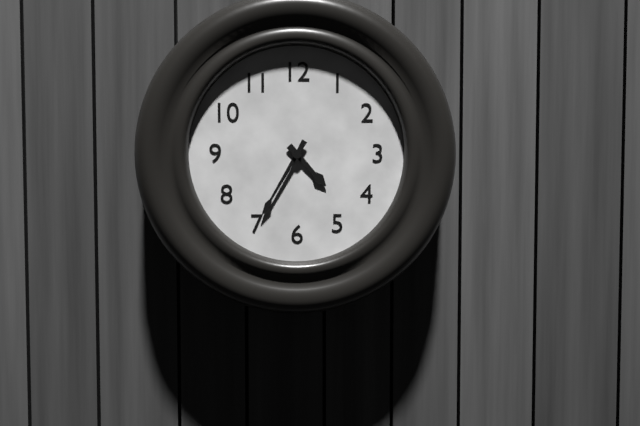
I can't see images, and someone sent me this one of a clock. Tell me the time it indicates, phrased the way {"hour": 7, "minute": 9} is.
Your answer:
{"hour": 4, "minute": 35}
